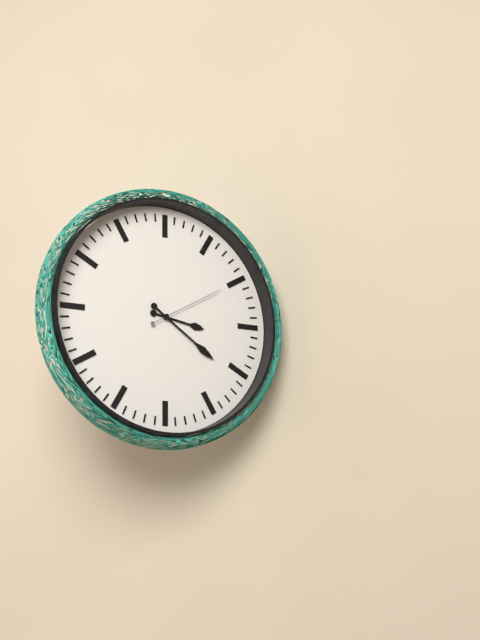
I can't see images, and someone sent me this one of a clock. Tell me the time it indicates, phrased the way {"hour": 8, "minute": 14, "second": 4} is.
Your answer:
{"hour": 3, "minute": 21, "second": 10}
